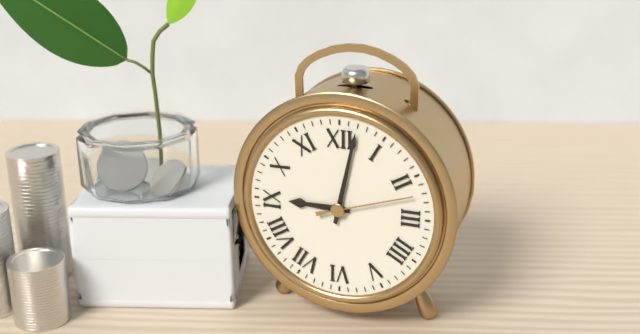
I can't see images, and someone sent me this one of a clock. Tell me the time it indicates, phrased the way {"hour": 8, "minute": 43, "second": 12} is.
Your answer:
{"hour": 9, "minute": 2, "second": 12}
